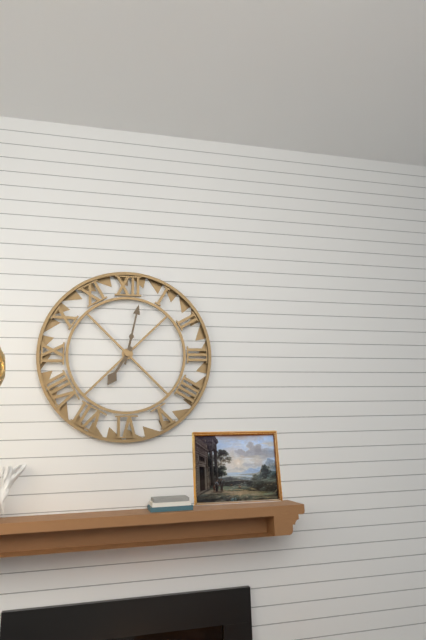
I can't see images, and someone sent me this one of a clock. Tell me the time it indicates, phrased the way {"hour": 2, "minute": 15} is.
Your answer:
{"hour": 7, "minute": 2}
